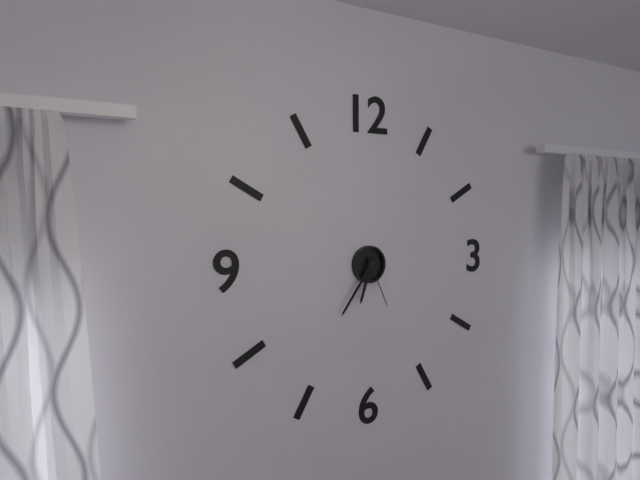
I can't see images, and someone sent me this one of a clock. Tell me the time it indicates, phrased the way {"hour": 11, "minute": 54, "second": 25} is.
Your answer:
{"hour": 6, "minute": 36, "second": 26}
